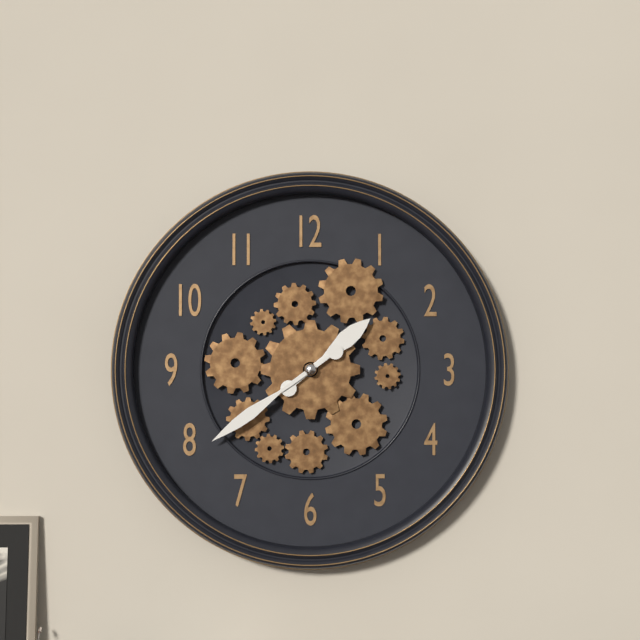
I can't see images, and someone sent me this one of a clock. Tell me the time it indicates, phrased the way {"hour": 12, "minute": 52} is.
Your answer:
{"hour": 1, "minute": 39}
